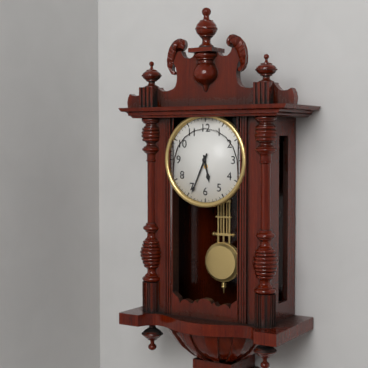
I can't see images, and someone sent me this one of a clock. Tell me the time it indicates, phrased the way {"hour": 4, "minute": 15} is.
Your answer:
{"hour": 5, "minute": 34}
